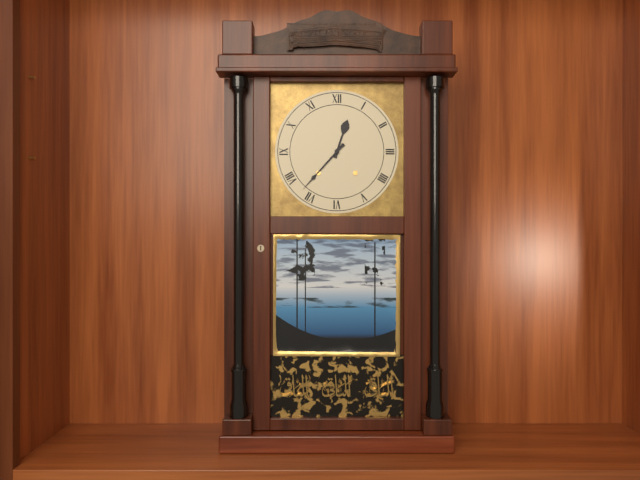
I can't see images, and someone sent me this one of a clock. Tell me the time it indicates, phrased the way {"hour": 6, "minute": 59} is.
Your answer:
{"hour": 12, "minute": 37}
